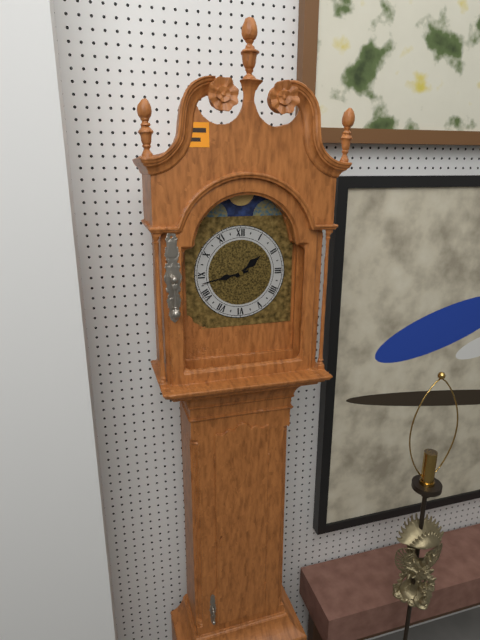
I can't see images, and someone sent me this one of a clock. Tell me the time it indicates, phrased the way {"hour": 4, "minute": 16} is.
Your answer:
{"hour": 1, "minute": 43}
